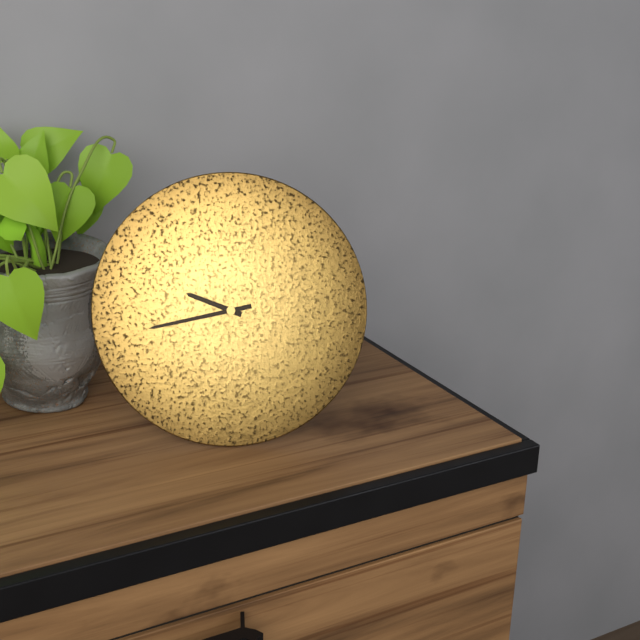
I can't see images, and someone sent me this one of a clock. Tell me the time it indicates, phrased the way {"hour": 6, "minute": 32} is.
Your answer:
{"hour": 9, "minute": 43}
